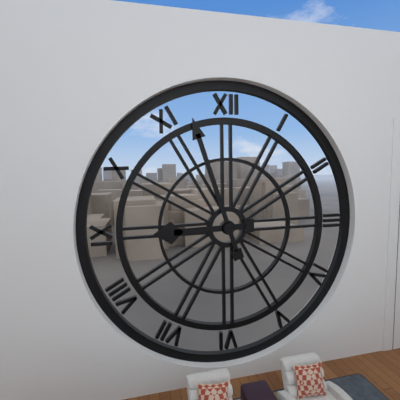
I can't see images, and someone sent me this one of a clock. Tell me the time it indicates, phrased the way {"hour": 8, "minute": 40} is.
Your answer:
{"hour": 8, "minute": 57}
